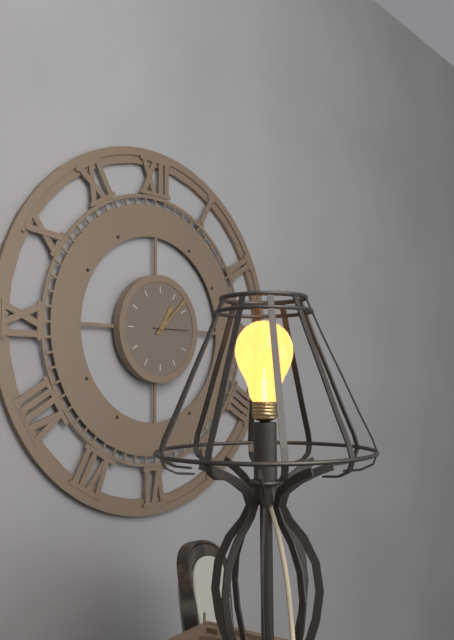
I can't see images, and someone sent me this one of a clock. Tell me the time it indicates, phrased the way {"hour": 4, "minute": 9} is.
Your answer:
{"hour": 1, "minute": 8}
